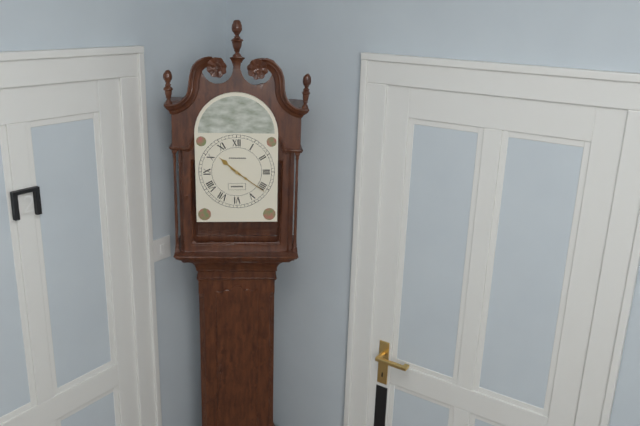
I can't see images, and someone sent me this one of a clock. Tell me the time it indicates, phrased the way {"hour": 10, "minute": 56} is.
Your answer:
{"hour": 10, "minute": 21}
